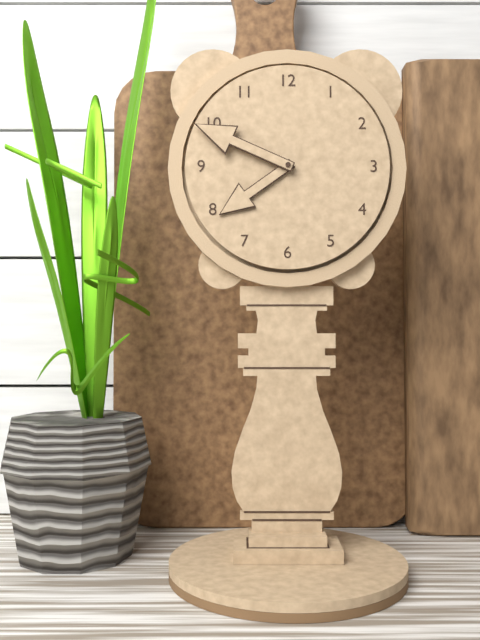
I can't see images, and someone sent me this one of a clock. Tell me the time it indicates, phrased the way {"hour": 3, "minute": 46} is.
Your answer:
{"hour": 7, "minute": 49}
